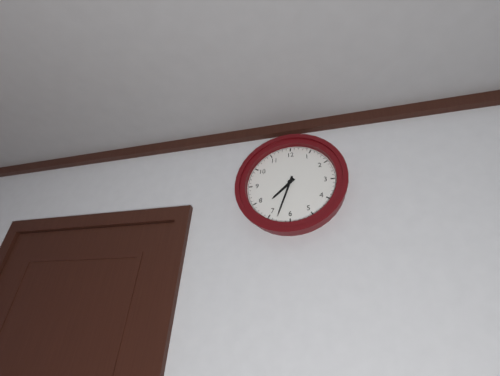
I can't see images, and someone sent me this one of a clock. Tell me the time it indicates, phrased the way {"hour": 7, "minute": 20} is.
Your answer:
{"hour": 7, "minute": 33}
